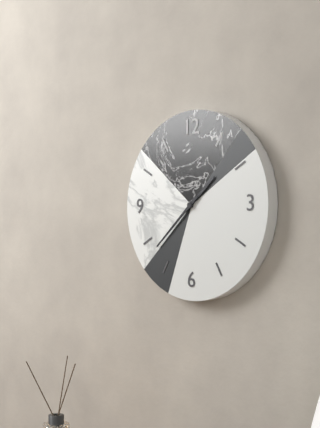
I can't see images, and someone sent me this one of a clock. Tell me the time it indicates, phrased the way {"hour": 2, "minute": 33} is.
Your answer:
{"hour": 1, "minute": 38}
